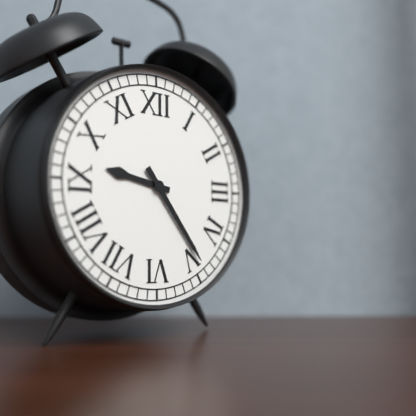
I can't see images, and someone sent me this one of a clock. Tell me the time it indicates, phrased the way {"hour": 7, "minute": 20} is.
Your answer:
{"hour": 9, "minute": 24}
